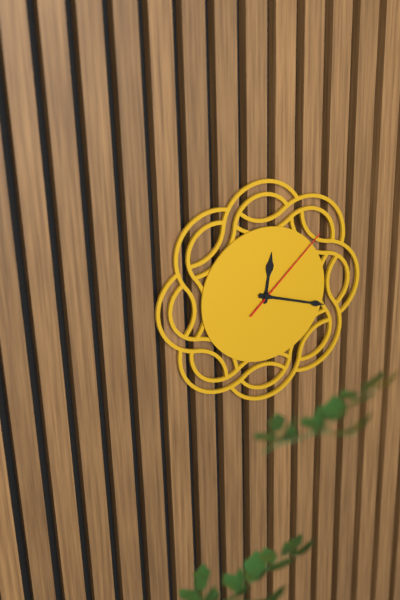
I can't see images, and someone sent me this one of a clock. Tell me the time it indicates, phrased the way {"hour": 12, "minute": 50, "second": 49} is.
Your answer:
{"hour": 12, "minute": 18, "second": 8}
